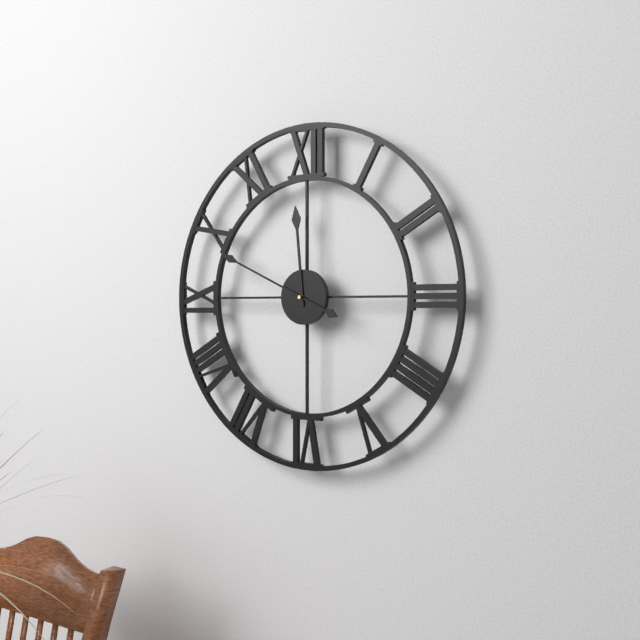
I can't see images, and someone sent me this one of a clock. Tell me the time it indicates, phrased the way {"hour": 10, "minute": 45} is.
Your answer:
{"hour": 11, "minute": 49}
